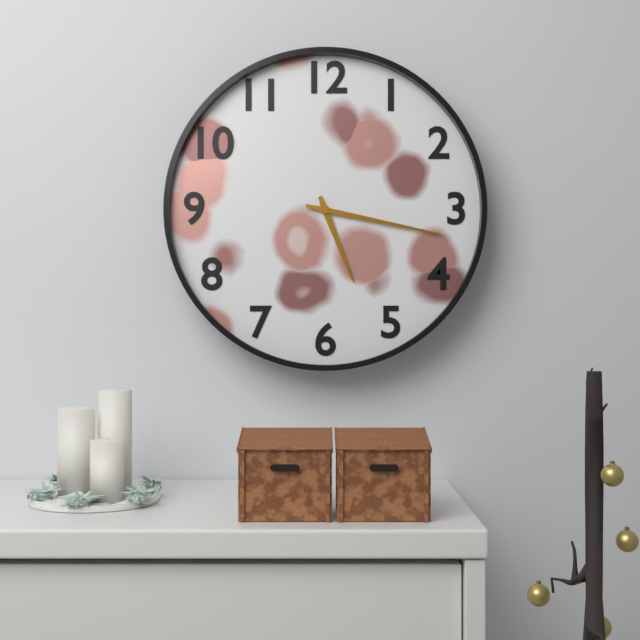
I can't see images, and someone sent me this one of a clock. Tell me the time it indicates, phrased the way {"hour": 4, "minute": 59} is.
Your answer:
{"hour": 5, "minute": 17}
